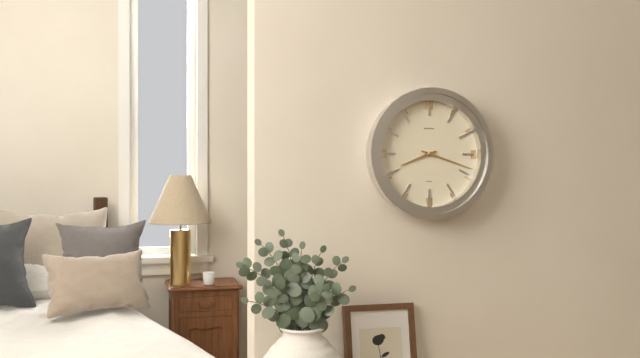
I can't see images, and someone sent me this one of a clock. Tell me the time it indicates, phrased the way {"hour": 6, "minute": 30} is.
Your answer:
{"hour": 8, "minute": 18}
